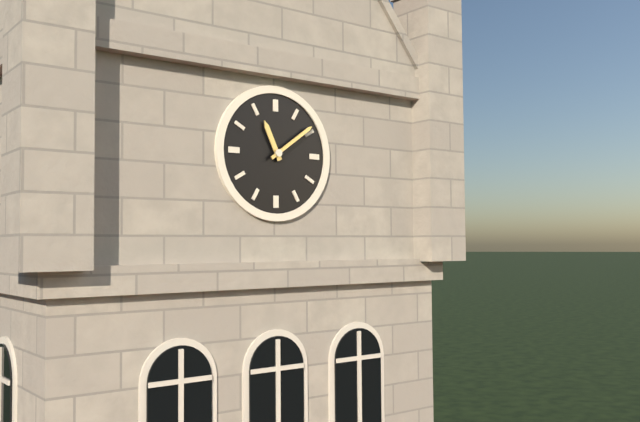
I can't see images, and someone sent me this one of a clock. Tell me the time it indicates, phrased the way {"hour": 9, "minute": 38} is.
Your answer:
{"hour": 11, "minute": 9}
